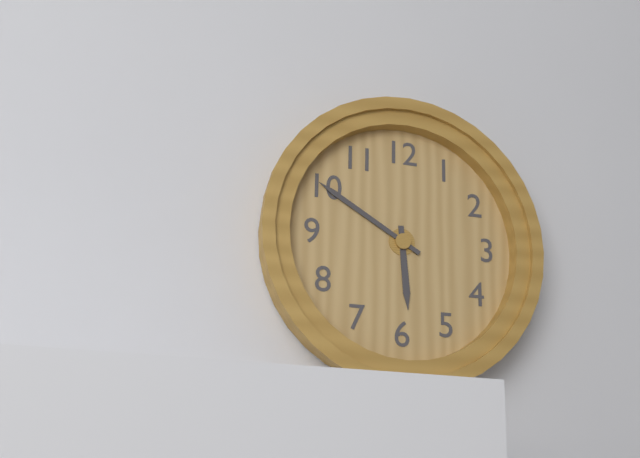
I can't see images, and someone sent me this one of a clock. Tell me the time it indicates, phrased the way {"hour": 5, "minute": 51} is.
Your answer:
{"hour": 5, "minute": 50}
